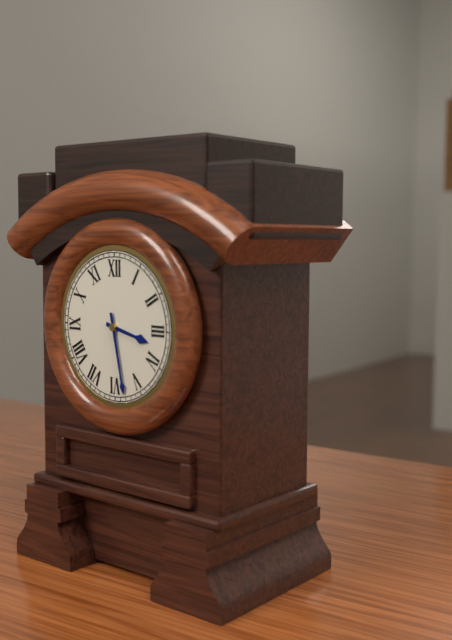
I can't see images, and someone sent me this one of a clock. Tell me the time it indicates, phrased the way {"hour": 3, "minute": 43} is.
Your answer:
{"hour": 3, "minute": 28}
